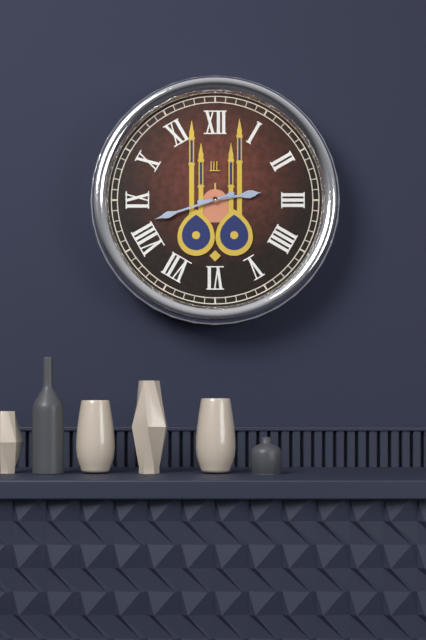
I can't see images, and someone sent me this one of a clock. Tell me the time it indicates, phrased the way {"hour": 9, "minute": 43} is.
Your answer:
{"hour": 2, "minute": 42}
